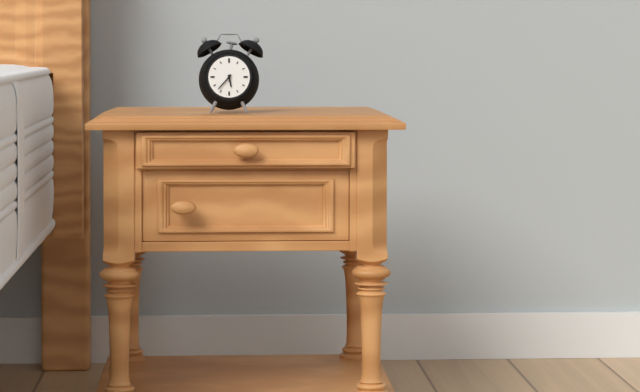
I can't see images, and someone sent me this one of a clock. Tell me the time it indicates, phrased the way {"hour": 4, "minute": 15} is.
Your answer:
{"hour": 5, "minute": 37}
